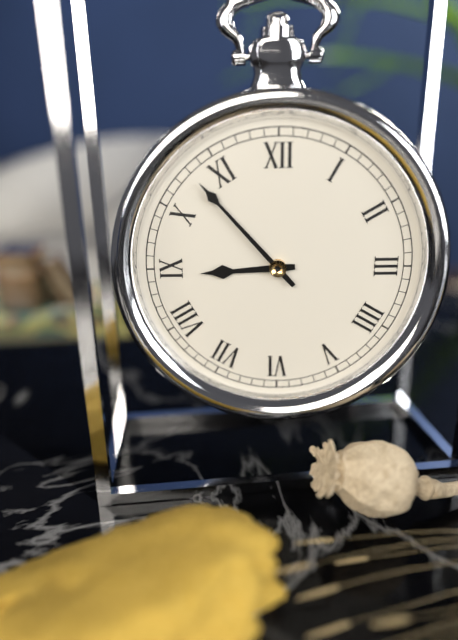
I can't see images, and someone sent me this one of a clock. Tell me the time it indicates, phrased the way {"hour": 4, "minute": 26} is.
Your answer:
{"hour": 8, "minute": 53}
